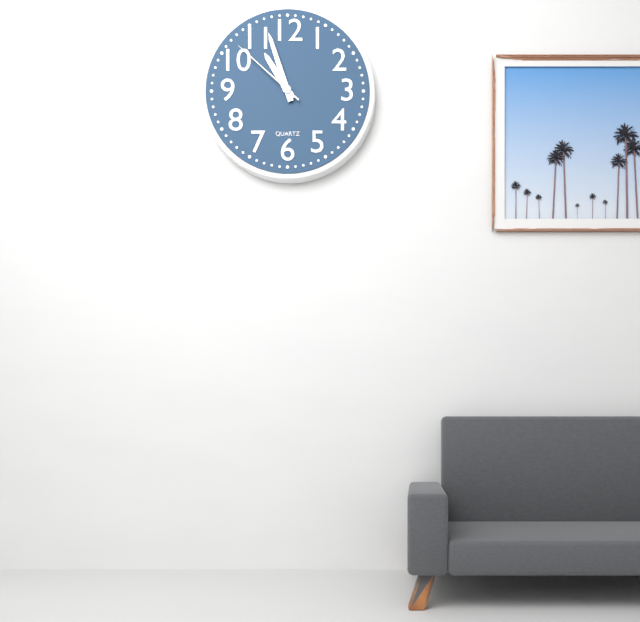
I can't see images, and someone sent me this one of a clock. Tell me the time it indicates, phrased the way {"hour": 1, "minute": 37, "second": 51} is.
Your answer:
{"hour": 10, "minute": 57, "second": 52}
